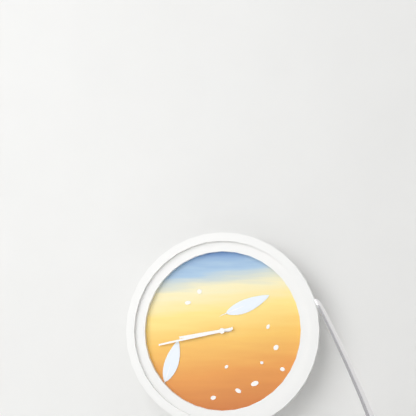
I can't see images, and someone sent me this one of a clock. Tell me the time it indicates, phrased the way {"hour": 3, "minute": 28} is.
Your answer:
{"hour": 8, "minute": 43}
